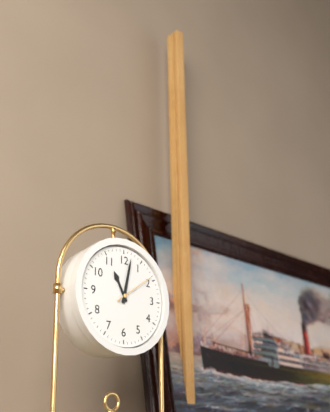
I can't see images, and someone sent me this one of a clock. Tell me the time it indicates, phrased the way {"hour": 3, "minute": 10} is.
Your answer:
{"hour": 11, "minute": 2}
